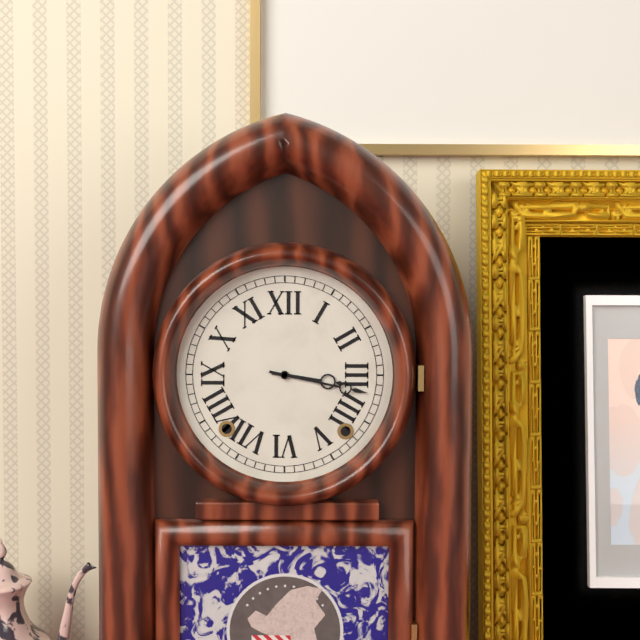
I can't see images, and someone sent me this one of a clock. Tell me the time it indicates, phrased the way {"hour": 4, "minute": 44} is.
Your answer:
{"hour": 3, "minute": 17}
